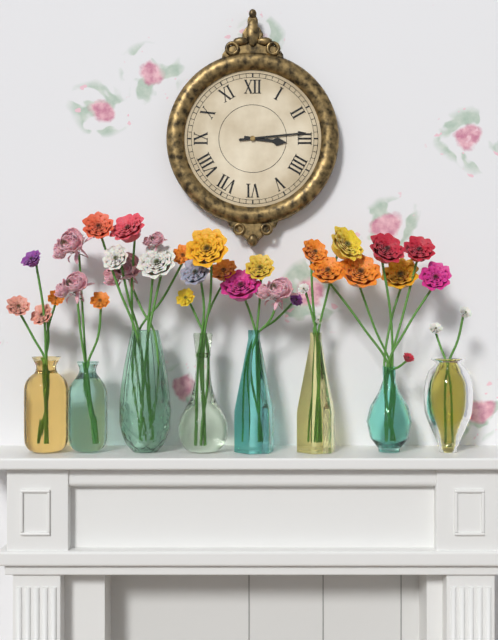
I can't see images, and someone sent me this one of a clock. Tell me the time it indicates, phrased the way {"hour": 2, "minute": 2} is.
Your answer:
{"hour": 3, "minute": 14}
